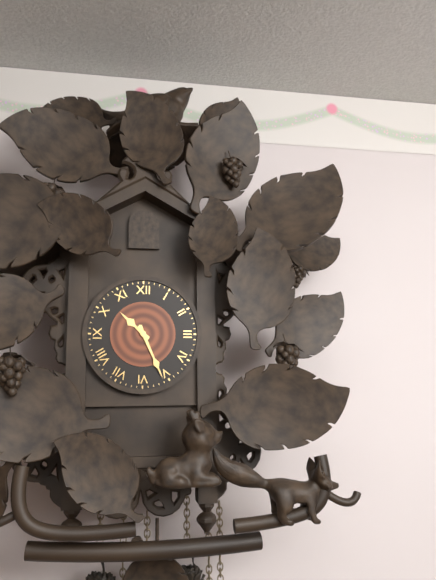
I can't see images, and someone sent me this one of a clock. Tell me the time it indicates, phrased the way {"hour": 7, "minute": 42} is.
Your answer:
{"hour": 10, "minute": 26}
